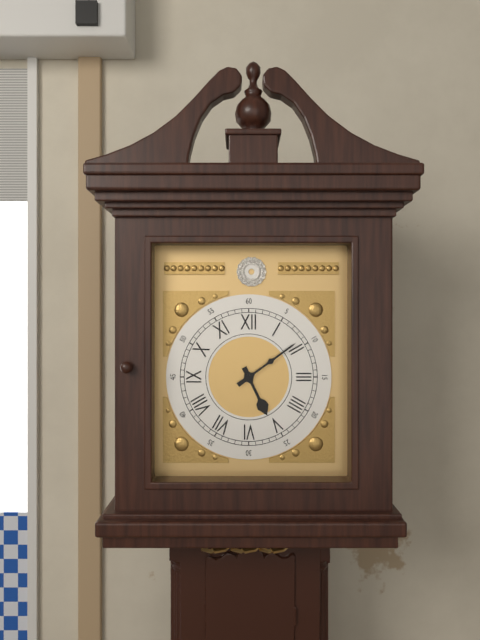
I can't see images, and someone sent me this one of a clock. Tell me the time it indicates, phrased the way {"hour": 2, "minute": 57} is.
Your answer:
{"hour": 5, "minute": 9}
